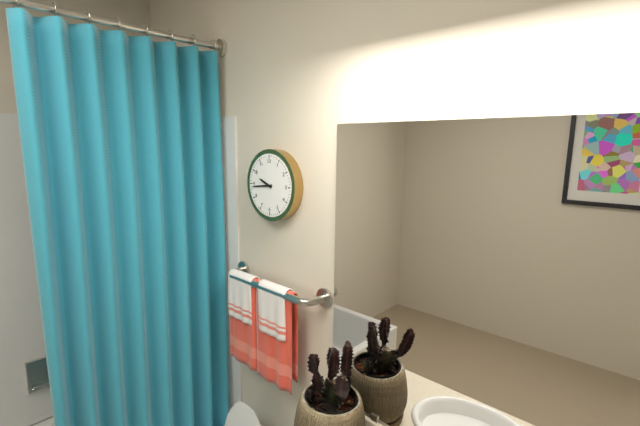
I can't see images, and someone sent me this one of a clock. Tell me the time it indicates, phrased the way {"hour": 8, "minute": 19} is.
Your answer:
{"hour": 9, "minute": 44}
